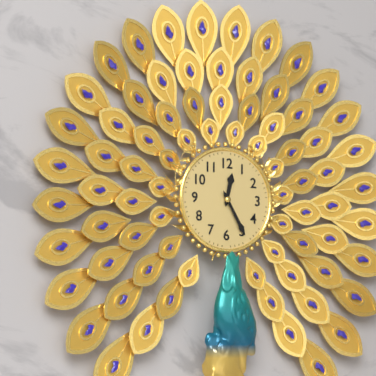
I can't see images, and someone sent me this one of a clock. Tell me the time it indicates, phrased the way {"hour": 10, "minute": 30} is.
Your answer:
{"hour": 12, "minute": 25}
